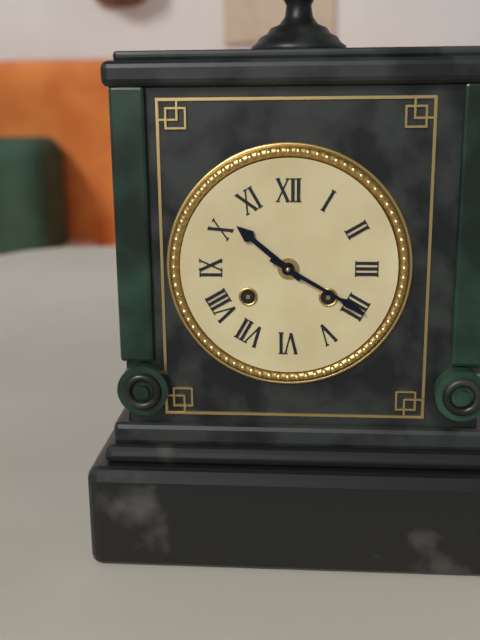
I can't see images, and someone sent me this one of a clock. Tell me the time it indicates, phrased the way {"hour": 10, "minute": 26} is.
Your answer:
{"hour": 10, "minute": 20}
